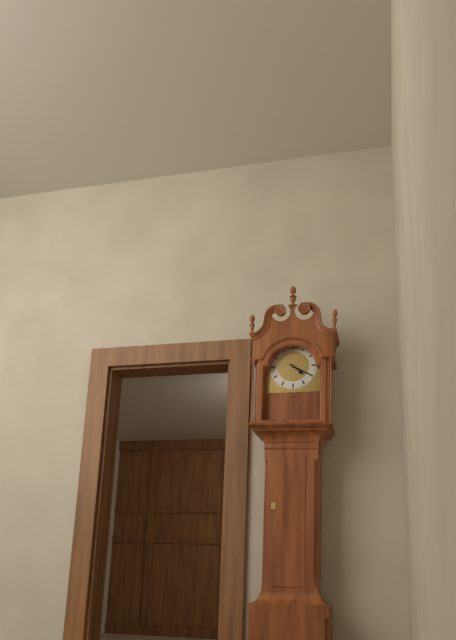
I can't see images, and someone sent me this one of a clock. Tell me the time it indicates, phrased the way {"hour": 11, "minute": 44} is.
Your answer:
{"hour": 4, "minute": 20}
